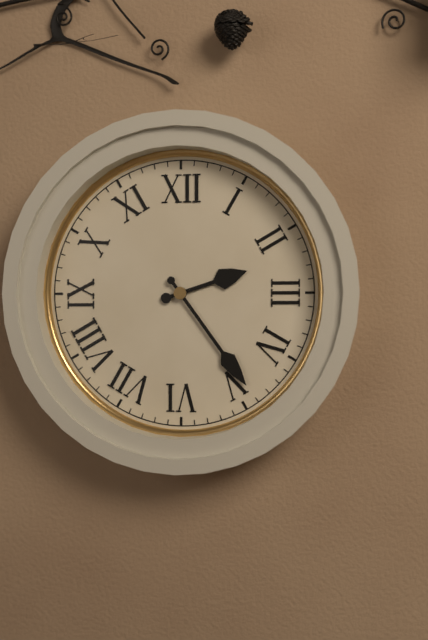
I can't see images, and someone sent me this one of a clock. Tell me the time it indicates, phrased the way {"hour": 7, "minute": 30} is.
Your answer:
{"hour": 2, "minute": 24}
